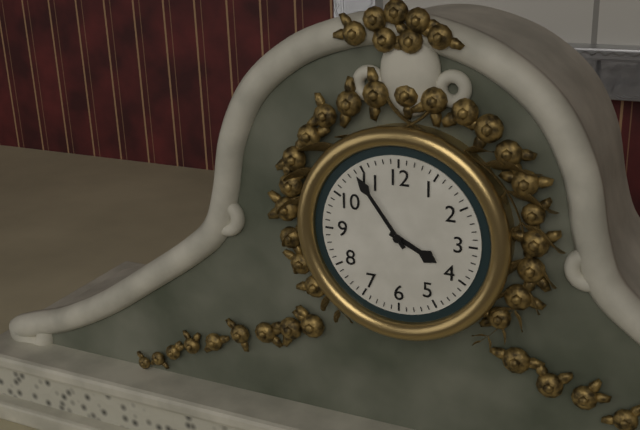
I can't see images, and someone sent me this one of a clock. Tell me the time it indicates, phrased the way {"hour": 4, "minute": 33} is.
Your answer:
{"hour": 3, "minute": 54}
